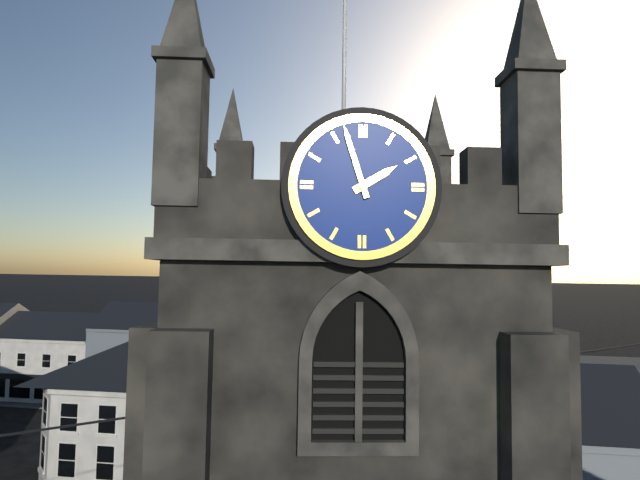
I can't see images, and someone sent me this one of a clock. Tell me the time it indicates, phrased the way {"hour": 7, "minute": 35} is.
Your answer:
{"hour": 1, "minute": 57}
